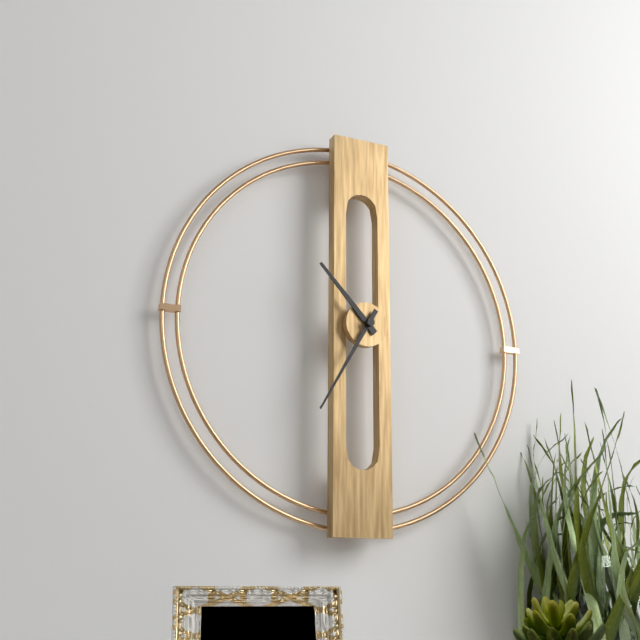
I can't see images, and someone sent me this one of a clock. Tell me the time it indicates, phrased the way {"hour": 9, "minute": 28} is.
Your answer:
{"hour": 10, "minute": 35}
